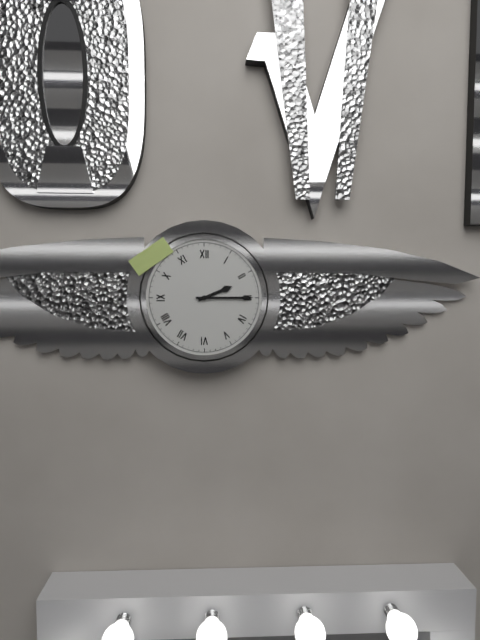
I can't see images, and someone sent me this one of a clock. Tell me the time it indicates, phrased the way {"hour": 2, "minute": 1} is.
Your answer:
{"hour": 2, "minute": 15}
